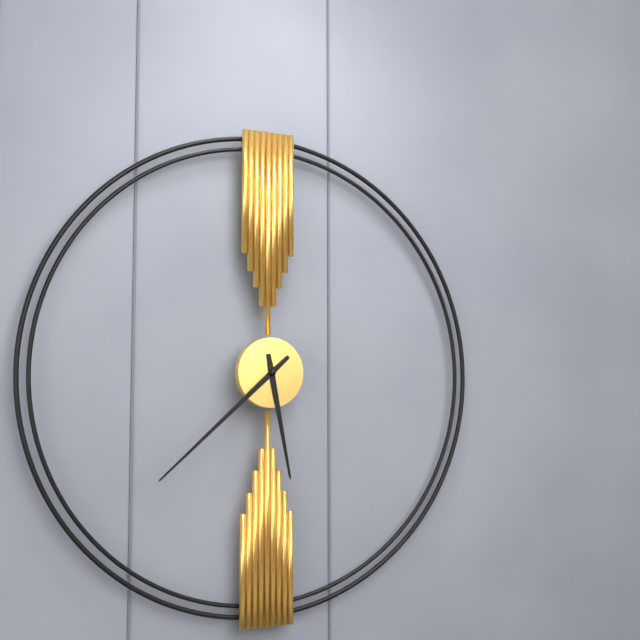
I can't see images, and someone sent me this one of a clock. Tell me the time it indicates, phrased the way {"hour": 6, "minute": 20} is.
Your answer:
{"hour": 5, "minute": 38}
